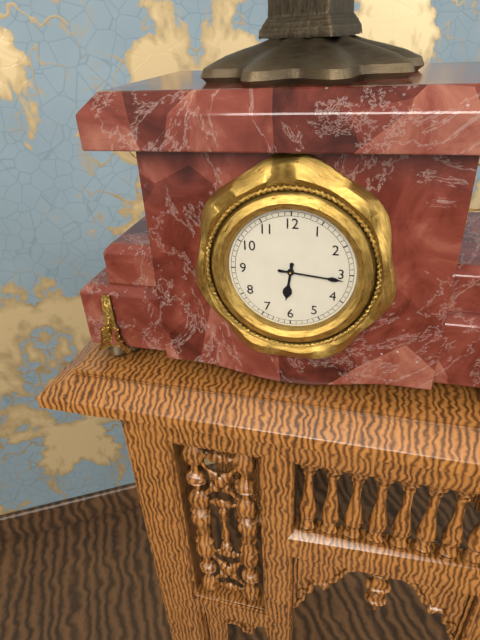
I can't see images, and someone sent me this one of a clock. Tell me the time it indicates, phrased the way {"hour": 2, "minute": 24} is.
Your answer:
{"hour": 6, "minute": 16}
